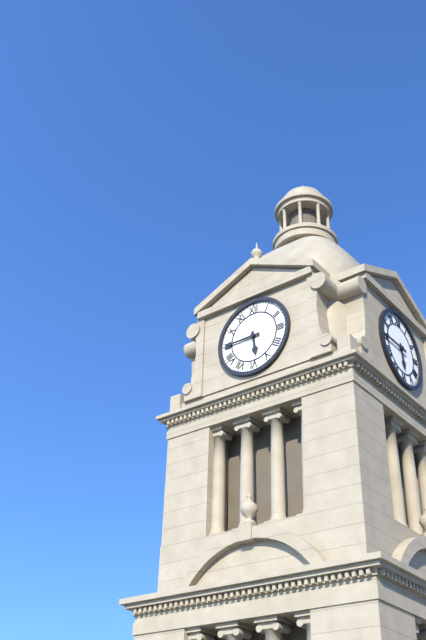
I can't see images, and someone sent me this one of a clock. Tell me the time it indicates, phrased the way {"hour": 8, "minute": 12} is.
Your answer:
{"hour": 5, "minute": 45}
